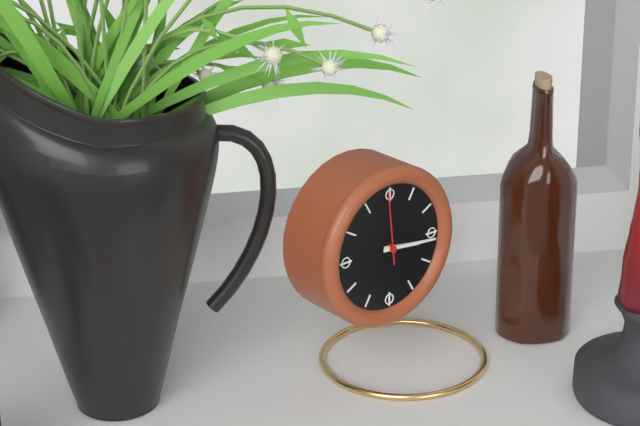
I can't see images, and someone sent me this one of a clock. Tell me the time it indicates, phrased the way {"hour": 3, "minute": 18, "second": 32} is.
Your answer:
{"hour": 3, "minute": 16, "second": 59}
